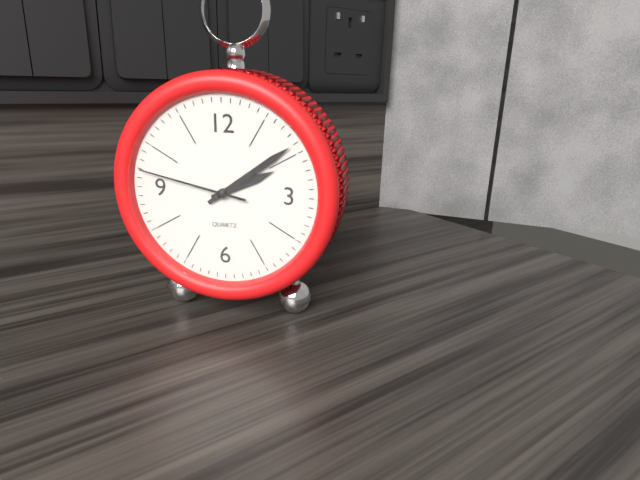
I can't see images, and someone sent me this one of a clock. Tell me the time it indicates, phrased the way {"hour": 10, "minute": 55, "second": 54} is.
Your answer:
{"hour": 2, "minute": 9, "second": 47}
